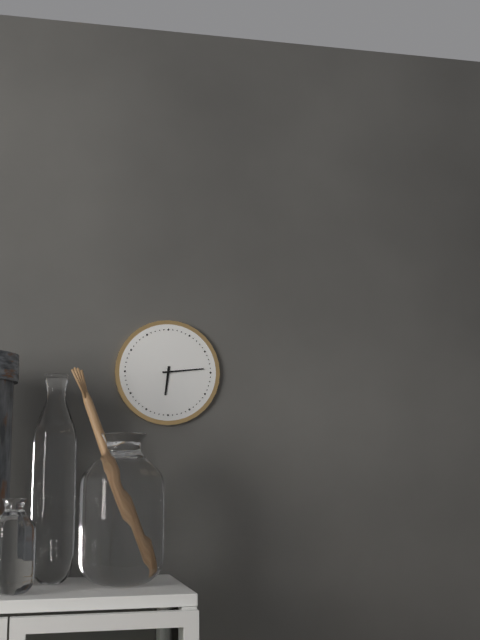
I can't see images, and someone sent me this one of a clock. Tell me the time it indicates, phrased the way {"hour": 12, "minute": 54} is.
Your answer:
{"hour": 6, "minute": 14}
